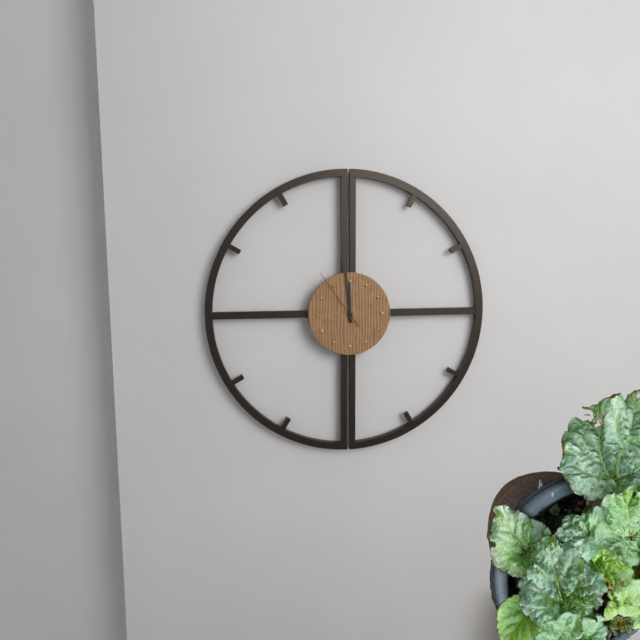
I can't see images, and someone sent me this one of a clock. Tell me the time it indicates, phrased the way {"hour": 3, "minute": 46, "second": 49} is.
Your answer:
{"hour": 11, "minute": 59, "second": 54}
